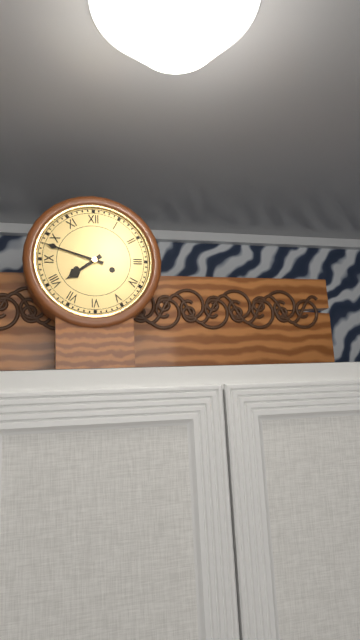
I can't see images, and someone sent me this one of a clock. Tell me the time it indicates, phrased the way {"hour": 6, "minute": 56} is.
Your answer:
{"hour": 7, "minute": 48}
